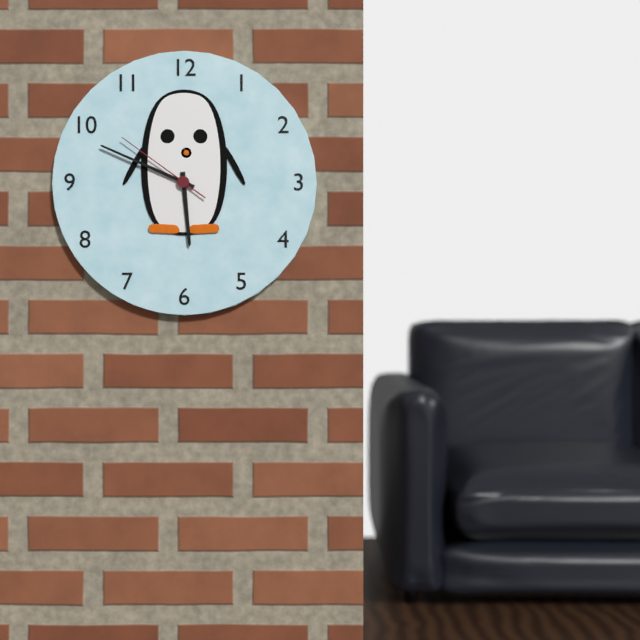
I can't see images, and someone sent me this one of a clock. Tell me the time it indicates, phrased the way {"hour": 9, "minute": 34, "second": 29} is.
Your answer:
{"hour": 5, "minute": 49, "second": 51}
